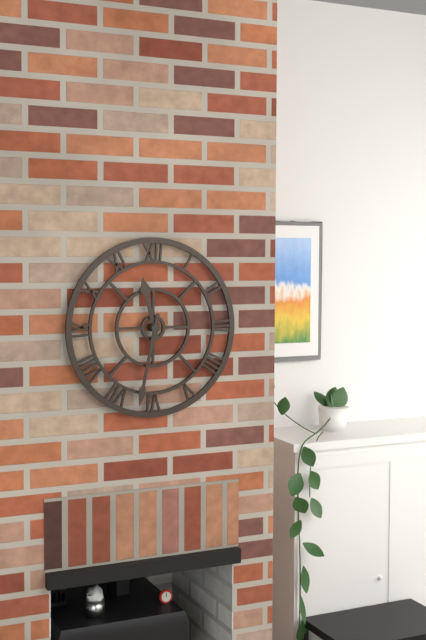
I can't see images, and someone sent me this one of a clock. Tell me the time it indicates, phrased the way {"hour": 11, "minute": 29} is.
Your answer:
{"hour": 11, "minute": 32}
